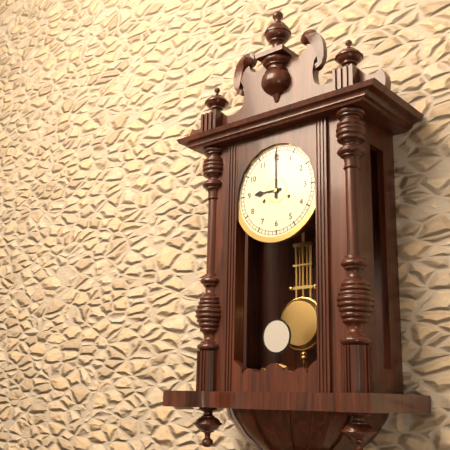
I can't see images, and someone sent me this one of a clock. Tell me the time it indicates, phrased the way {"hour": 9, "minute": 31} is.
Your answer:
{"hour": 9, "minute": 0}
